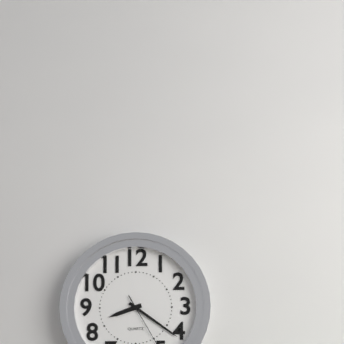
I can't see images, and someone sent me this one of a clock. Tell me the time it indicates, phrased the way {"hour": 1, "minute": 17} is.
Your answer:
{"hour": 8, "minute": 21}
